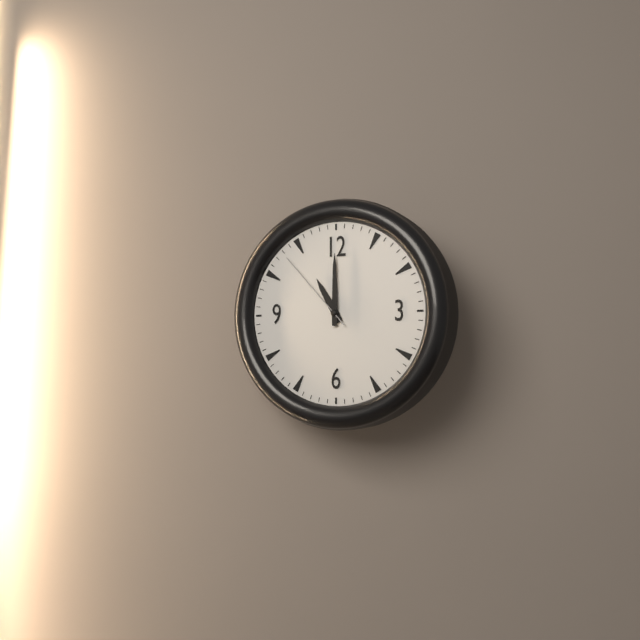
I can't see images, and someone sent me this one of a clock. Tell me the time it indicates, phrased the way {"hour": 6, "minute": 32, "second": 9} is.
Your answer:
{"hour": 11, "minute": 0, "second": 53}
